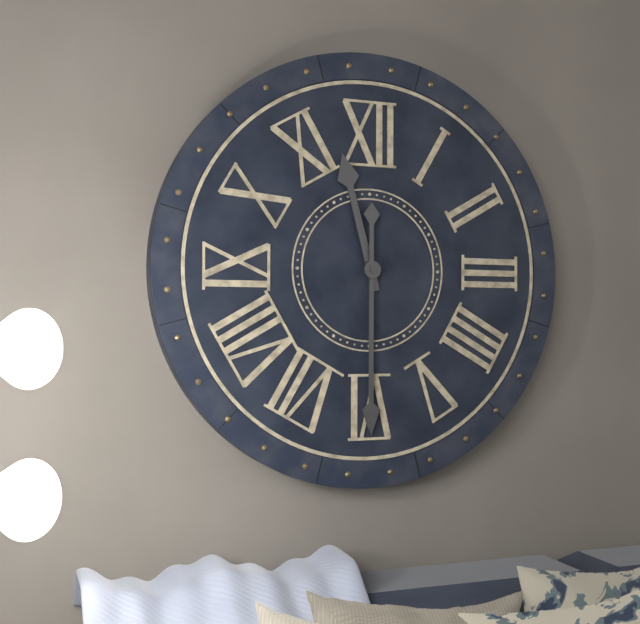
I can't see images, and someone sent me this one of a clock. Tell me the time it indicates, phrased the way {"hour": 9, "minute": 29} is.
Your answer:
{"hour": 11, "minute": 30}
